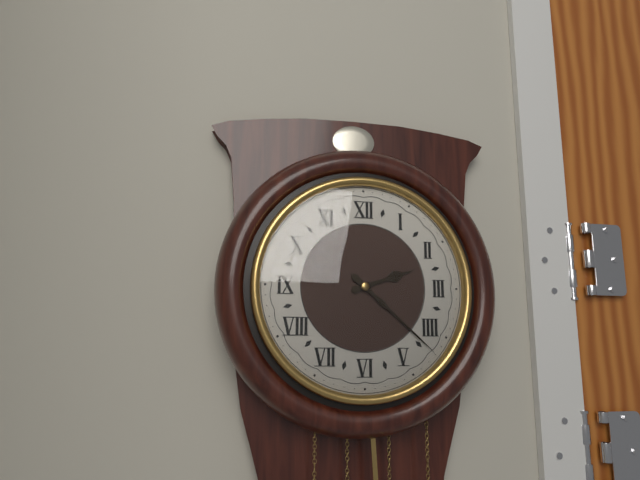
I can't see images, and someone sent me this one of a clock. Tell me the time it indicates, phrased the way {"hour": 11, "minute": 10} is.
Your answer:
{"hour": 2, "minute": 22}
